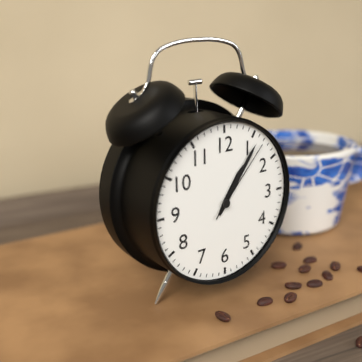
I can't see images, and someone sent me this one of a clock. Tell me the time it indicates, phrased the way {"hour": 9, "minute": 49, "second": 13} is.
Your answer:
{"hour": 1, "minute": 6, "second": 7}
